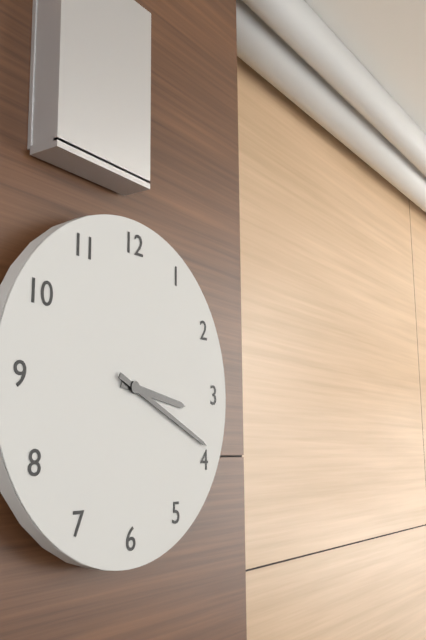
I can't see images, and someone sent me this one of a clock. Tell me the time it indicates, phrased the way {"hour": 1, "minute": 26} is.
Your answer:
{"hour": 3, "minute": 19}
